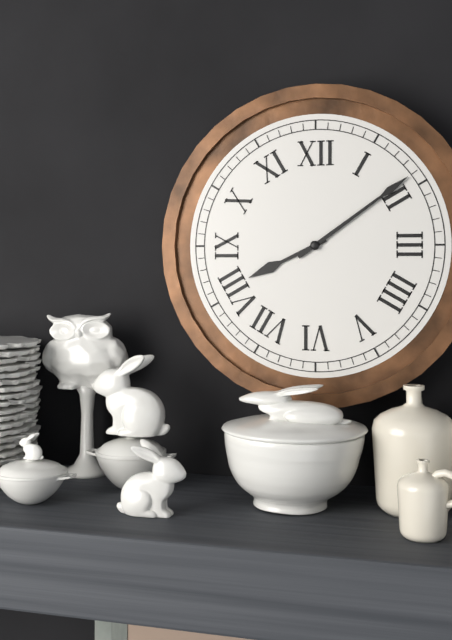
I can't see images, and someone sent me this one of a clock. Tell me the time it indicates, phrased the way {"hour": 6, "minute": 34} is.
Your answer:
{"hour": 8, "minute": 9}
